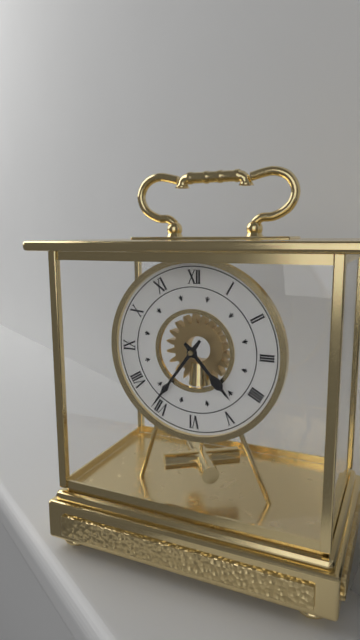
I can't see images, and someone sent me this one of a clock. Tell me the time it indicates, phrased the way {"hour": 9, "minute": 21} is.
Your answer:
{"hour": 4, "minute": 36}
